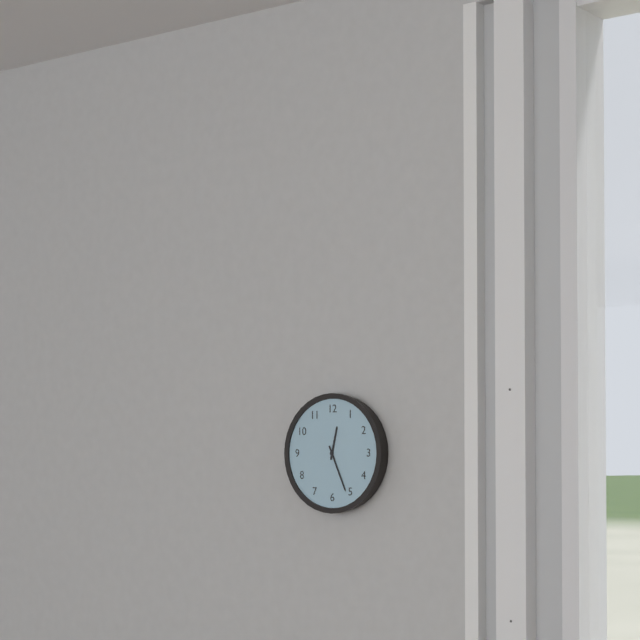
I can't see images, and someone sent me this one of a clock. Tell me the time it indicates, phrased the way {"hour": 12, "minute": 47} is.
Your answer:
{"hour": 12, "minute": 26}
